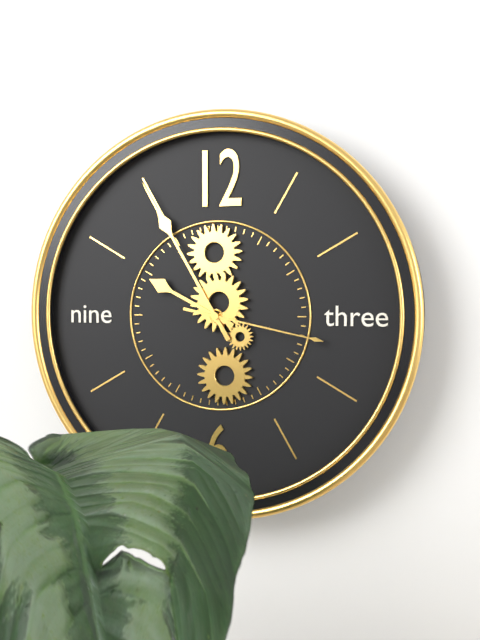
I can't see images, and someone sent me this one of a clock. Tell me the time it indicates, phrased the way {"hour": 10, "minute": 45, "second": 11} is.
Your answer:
{"hour": 9, "minute": 55, "second": 17}
